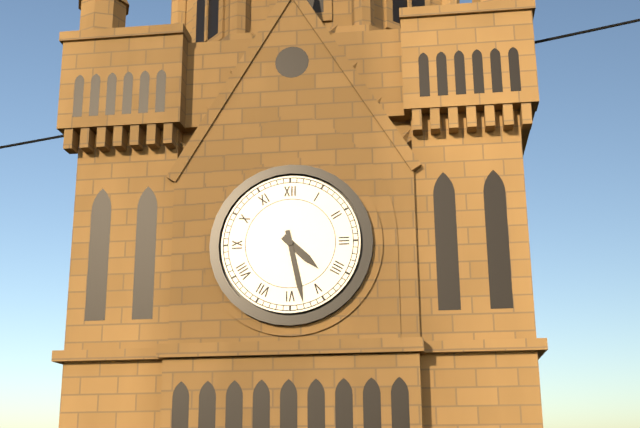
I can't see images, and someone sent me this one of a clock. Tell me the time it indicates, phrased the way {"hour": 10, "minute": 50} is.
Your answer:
{"hour": 4, "minute": 28}
